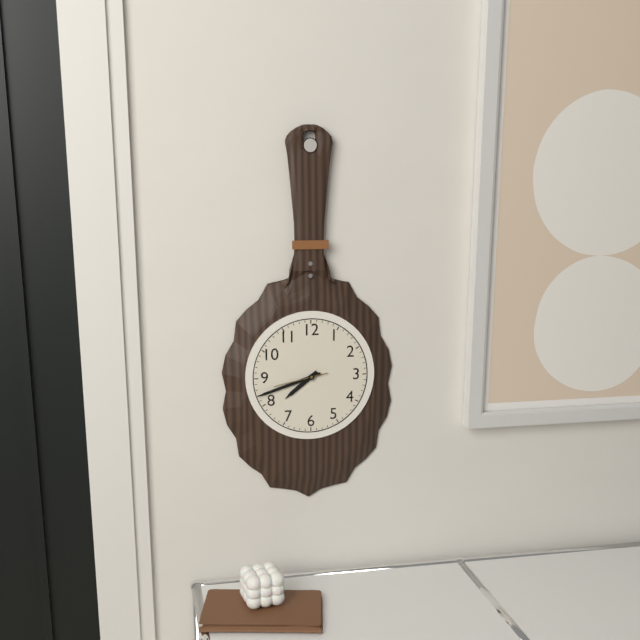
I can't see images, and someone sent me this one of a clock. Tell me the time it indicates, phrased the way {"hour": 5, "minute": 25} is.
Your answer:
{"hour": 7, "minute": 42}
